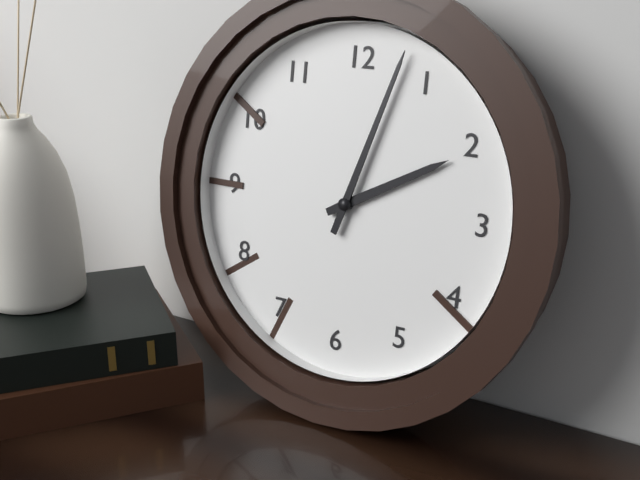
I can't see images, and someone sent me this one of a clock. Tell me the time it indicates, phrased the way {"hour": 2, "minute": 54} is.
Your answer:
{"hour": 2, "minute": 3}
